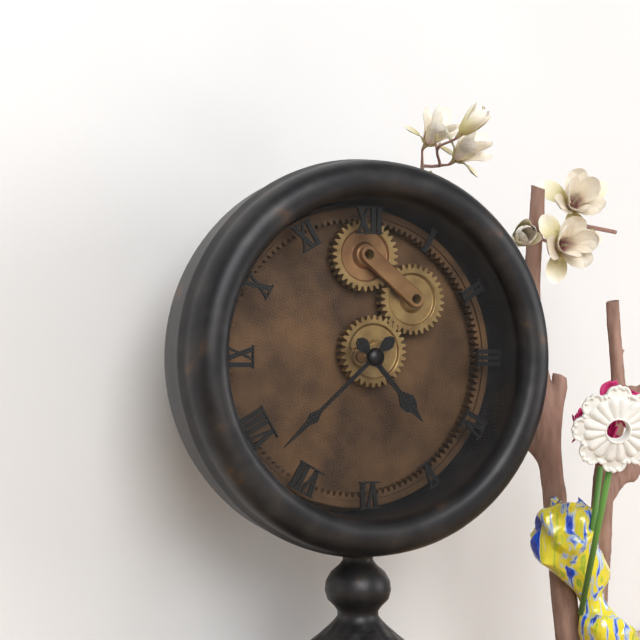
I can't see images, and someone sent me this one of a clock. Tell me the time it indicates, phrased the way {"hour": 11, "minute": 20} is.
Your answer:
{"hour": 4, "minute": 38}
